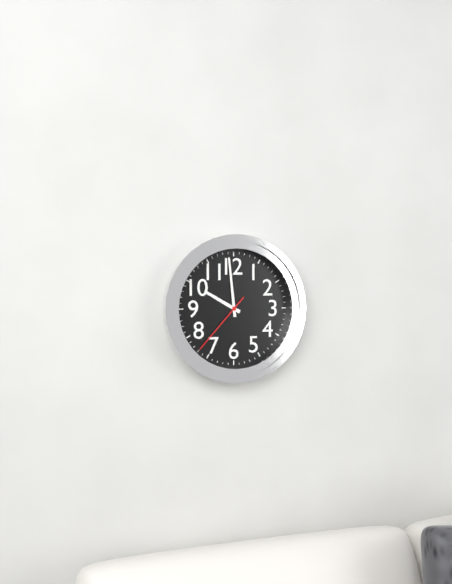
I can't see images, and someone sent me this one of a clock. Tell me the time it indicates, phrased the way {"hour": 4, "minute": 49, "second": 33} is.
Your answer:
{"hour": 9, "minute": 59, "second": 37}
